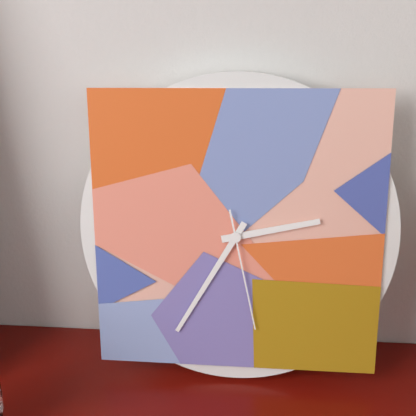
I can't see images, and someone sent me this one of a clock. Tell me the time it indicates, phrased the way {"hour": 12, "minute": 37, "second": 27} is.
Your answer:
{"hour": 2, "minute": 35, "second": 28}
